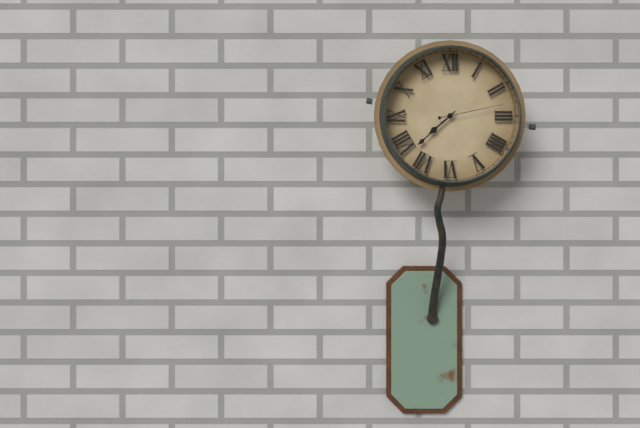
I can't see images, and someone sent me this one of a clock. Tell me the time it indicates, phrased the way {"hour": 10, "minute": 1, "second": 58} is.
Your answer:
{"hour": 7, "minute": 38, "second": 13}
